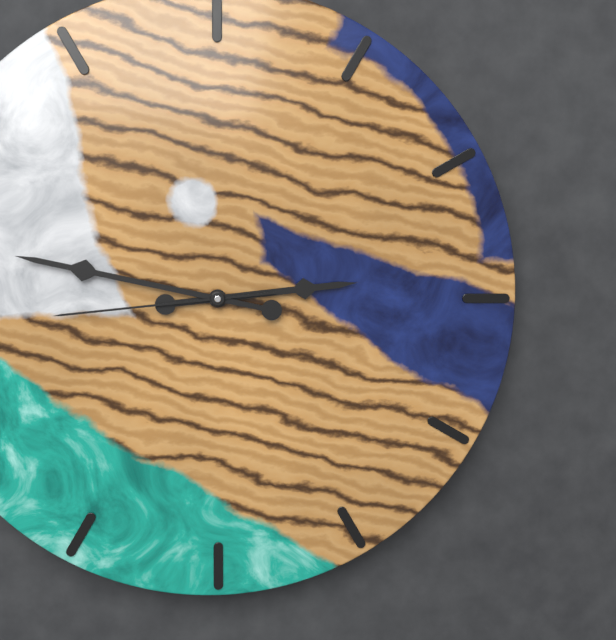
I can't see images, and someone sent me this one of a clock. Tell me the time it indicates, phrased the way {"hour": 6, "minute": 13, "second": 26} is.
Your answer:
{"hour": 2, "minute": 47, "second": 44}
